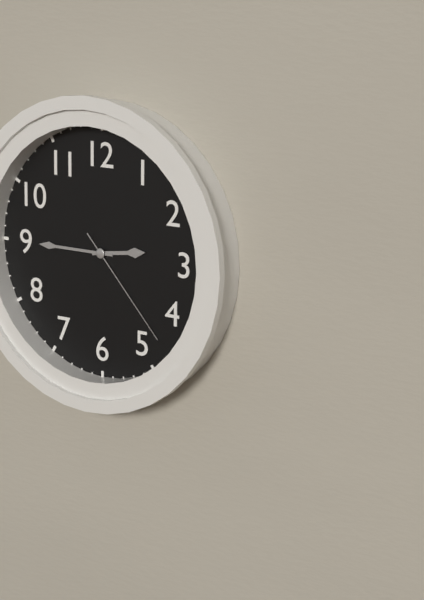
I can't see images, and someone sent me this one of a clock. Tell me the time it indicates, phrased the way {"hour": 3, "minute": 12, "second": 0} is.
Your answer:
{"hour": 2, "minute": 45, "second": 23}
